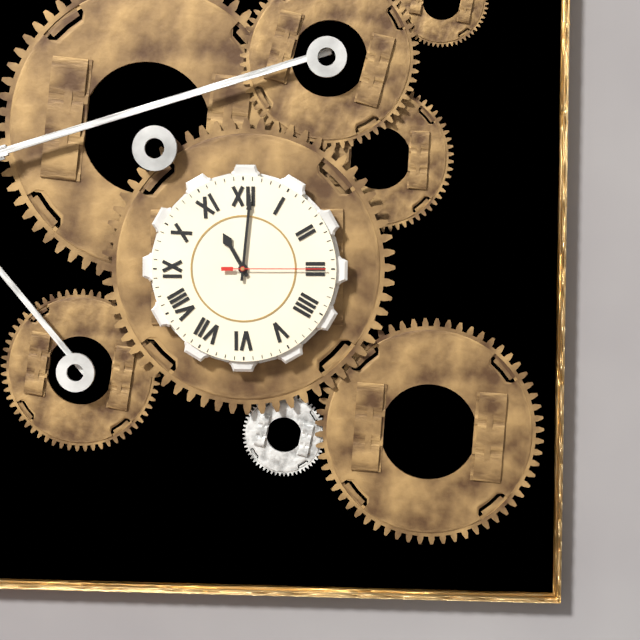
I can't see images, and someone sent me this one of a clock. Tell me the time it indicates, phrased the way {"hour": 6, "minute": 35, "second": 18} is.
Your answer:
{"hour": 11, "minute": 1, "second": 15}
